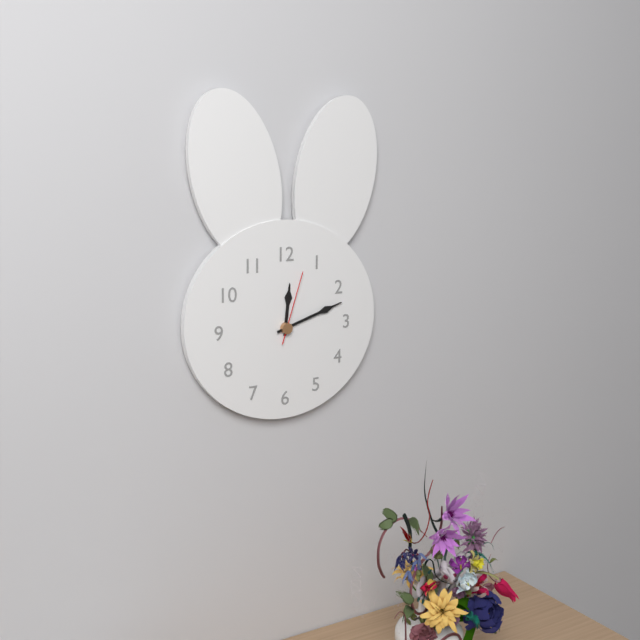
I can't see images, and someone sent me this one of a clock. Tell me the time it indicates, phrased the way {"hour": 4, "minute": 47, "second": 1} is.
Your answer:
{"hour": 12, "minute": 12, "second": 3}
